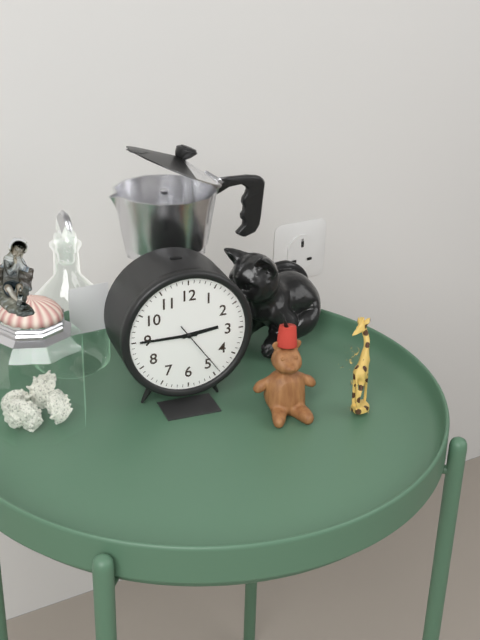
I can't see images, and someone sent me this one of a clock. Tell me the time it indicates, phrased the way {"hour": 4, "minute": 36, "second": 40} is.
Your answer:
{"hour": 2, "minute": 45, "second": 24}
